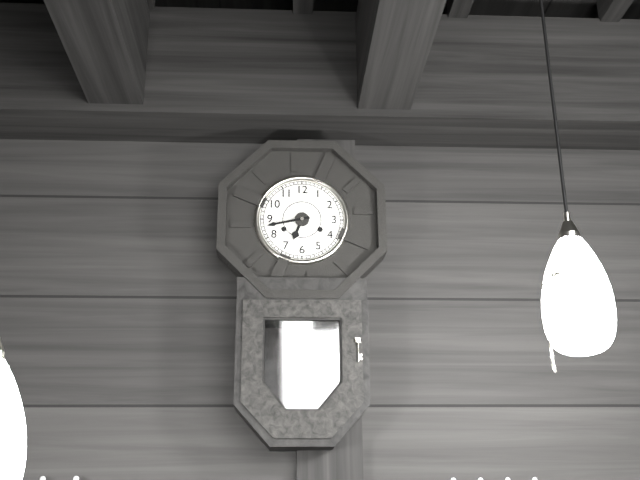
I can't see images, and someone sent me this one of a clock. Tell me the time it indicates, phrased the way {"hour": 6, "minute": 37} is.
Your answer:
{"hour": 6, "minute": 43}
